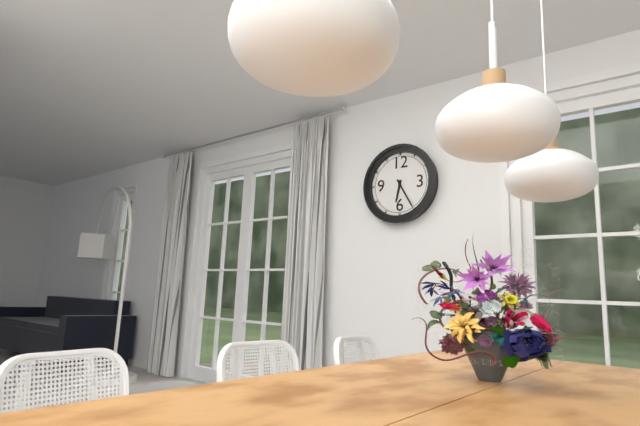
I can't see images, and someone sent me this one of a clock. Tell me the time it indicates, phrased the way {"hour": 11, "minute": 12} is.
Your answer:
{"hour": 6, "minute": 25}
